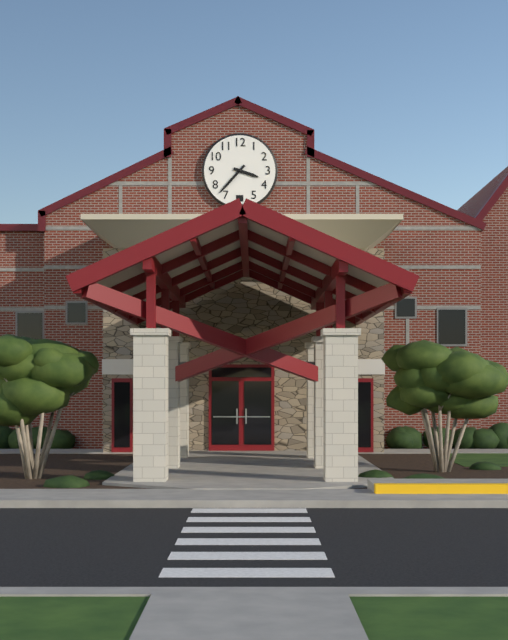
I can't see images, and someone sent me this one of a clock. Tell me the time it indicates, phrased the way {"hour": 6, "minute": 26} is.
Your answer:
{"hour": 3, "minute": 37}
